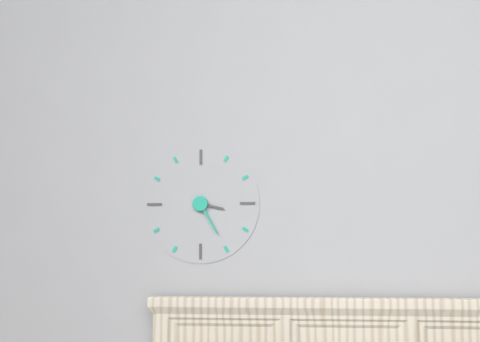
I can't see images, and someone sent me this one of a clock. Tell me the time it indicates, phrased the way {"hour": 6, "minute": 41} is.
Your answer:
{"hour": 3, "minute": 25}
